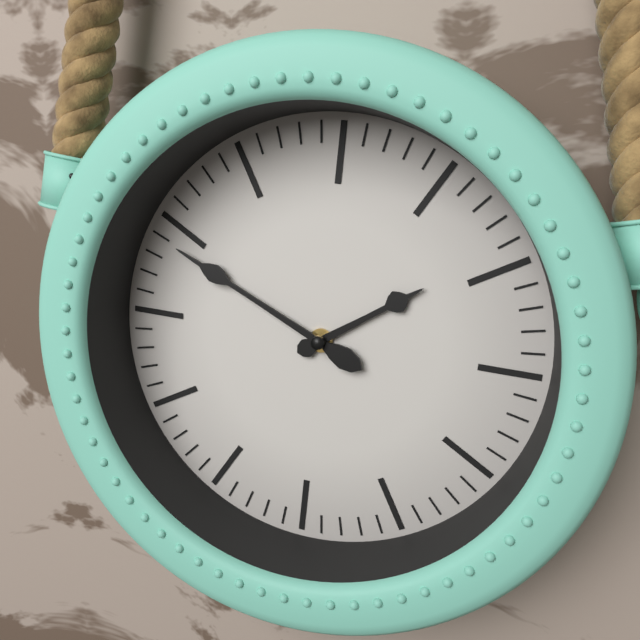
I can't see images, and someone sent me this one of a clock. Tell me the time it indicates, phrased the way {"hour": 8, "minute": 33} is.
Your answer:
{"hour": 1, "minute": 49}
